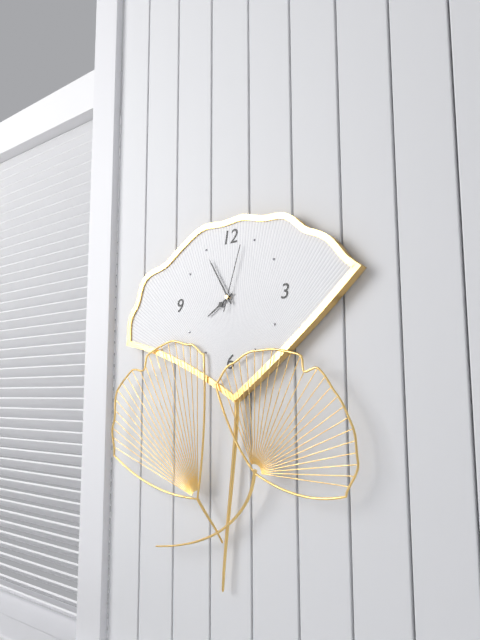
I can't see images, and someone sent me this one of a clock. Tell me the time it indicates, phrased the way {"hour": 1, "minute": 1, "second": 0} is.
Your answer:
{"hour": 7, "minute": 55, "second": 3}
